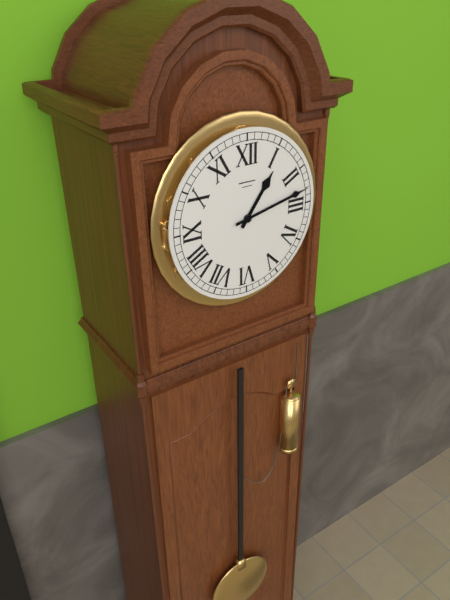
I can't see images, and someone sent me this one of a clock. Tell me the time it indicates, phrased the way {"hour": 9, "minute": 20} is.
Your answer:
{"hour": 1, "minute": 13}
